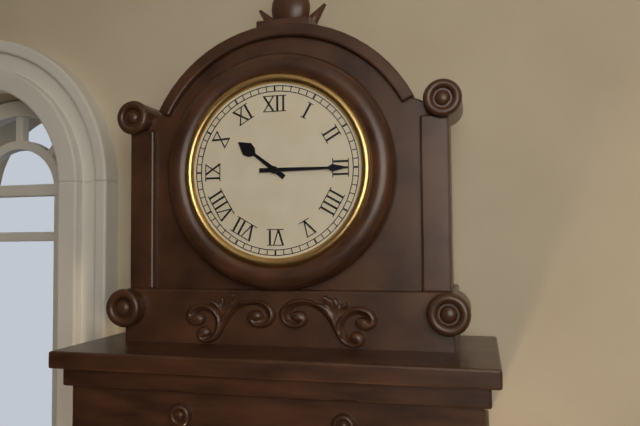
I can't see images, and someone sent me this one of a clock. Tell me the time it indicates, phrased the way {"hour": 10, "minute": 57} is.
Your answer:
{"hour": 10, "minute": 15}
